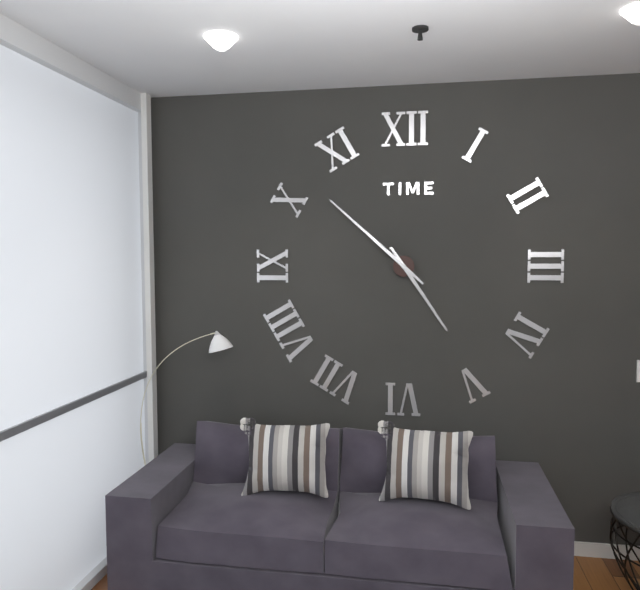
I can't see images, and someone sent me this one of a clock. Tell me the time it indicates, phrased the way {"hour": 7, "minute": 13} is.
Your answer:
{"hour": 4, "minute": 52}
